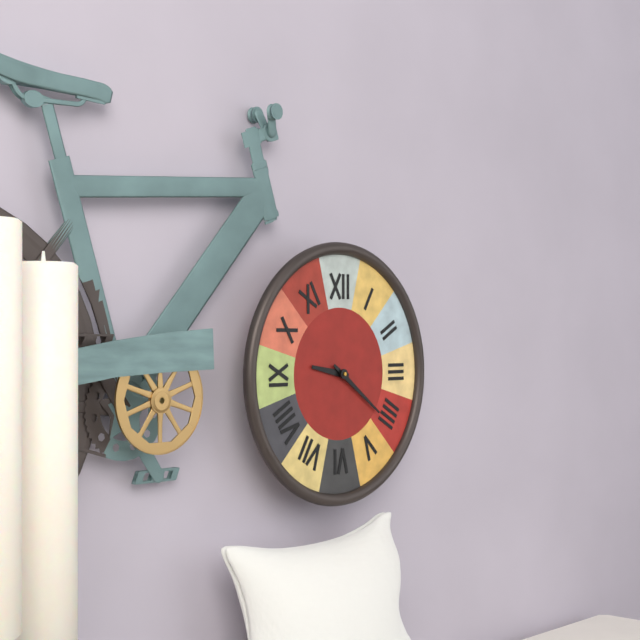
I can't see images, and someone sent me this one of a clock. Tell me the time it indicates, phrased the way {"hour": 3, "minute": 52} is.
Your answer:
{"hour": 9, "minute": 21}
